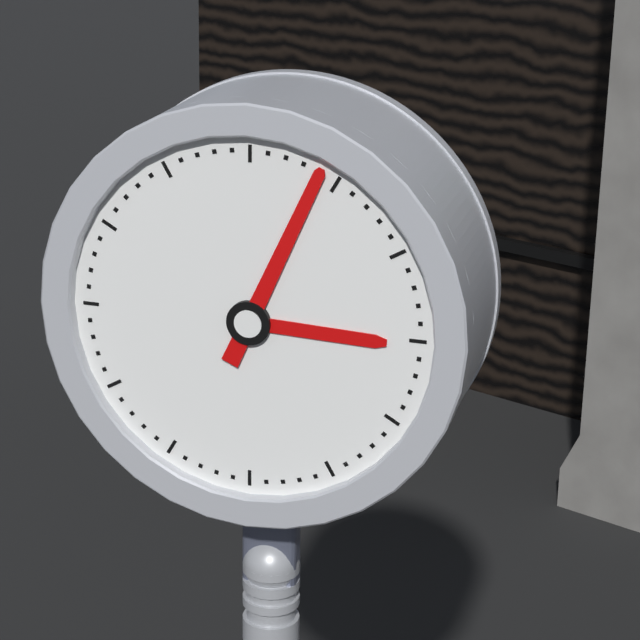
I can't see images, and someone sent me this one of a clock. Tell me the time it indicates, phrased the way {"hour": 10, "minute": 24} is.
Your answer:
{"hour": 3, "minute": 4}
